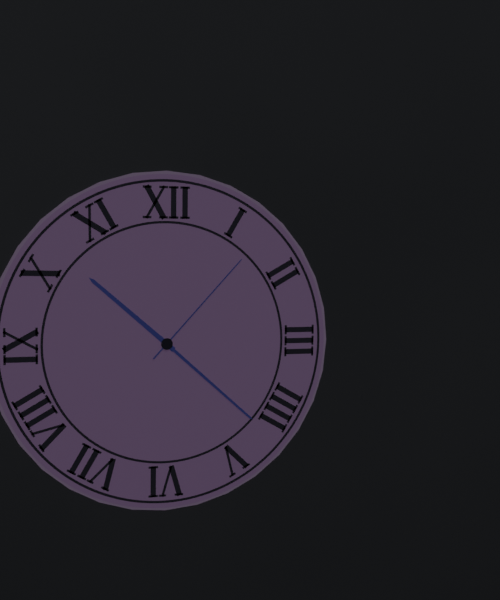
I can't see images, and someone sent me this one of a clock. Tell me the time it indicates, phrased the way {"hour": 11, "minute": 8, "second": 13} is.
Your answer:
{"hour": 10, "minute": 22, "second": 7}
